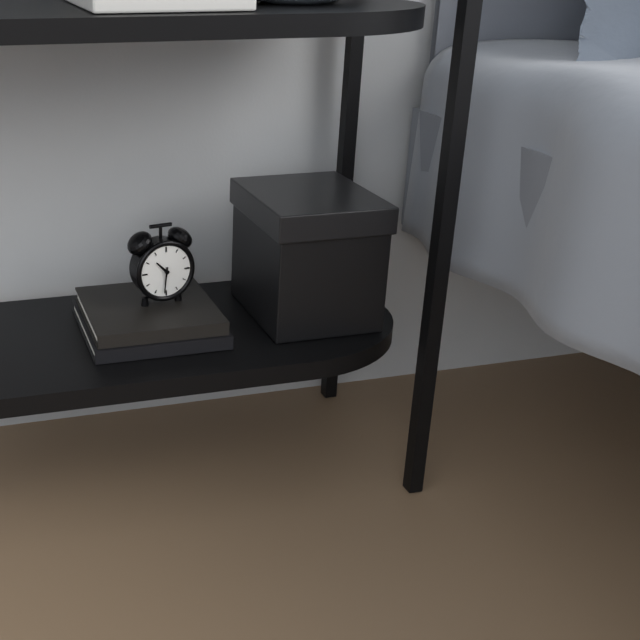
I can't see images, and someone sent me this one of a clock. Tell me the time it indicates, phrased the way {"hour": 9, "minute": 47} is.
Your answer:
{"hour": 10, "minute": 31}
